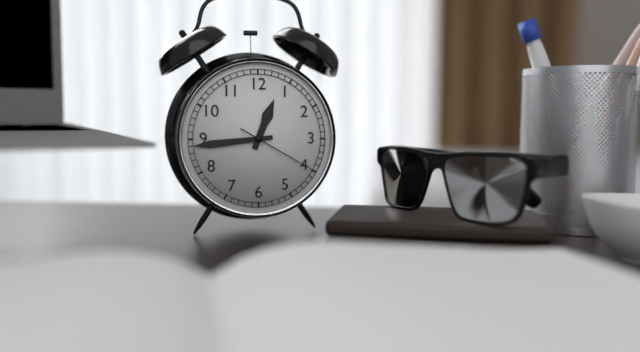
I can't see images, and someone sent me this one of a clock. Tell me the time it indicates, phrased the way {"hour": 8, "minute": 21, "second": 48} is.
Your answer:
{"hour": 12, "minute": 44, "second": 20}
